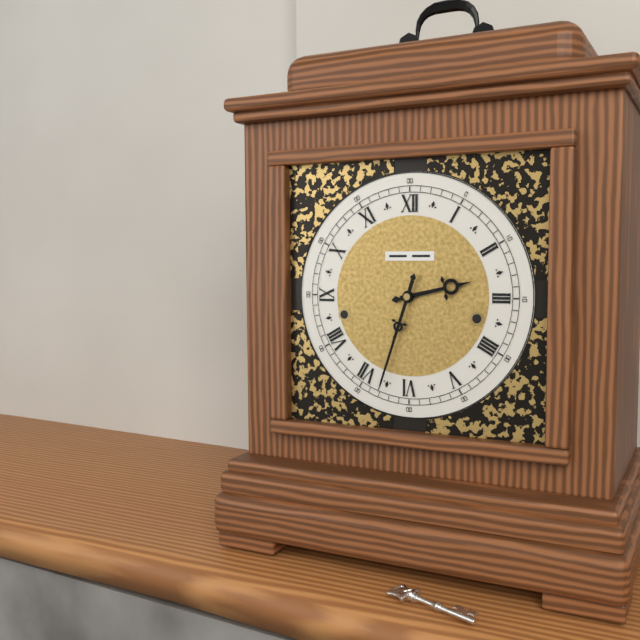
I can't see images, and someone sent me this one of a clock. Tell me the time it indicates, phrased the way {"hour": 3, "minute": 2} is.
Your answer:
{"hour": 2, "minute": 33}
